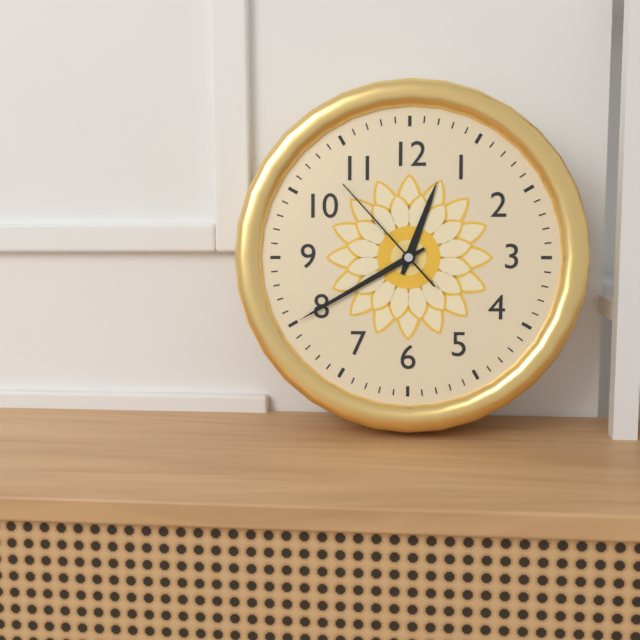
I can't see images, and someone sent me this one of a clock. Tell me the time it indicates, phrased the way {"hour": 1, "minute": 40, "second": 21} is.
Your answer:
{"hour": 12, "minute": 40, "second": 53}
